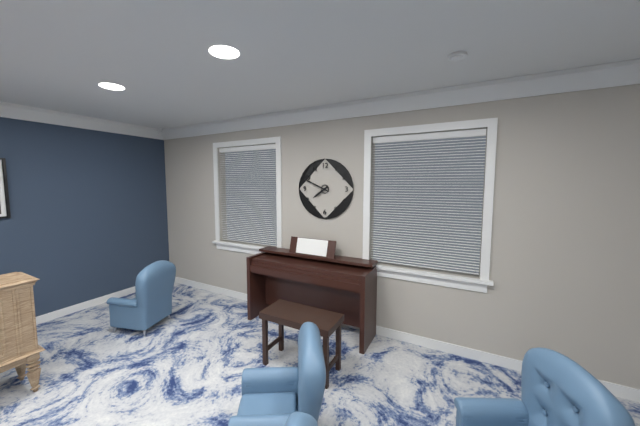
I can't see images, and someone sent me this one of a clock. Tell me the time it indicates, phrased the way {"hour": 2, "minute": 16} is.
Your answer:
{"hour": 7, "minute": 49}
